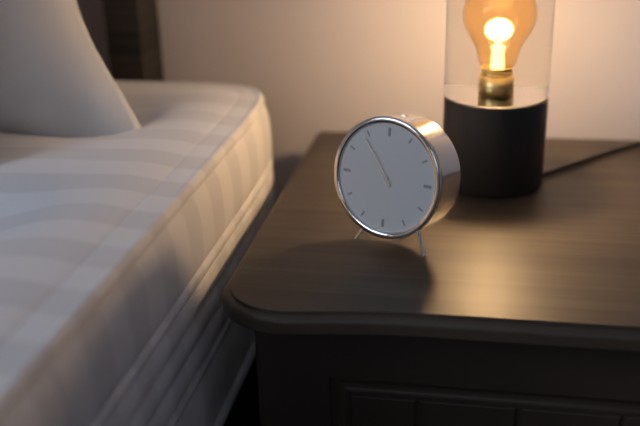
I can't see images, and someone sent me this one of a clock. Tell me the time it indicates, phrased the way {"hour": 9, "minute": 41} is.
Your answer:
{"hour": 10, "minute": 54}
